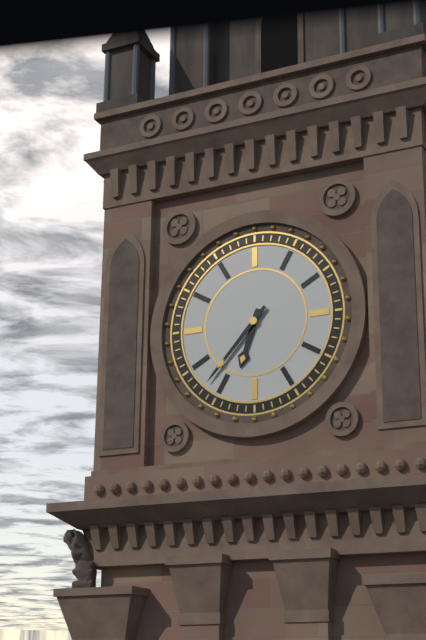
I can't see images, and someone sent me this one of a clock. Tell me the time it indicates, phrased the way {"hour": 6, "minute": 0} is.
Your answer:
{"hour": 6, "minute": 37}
